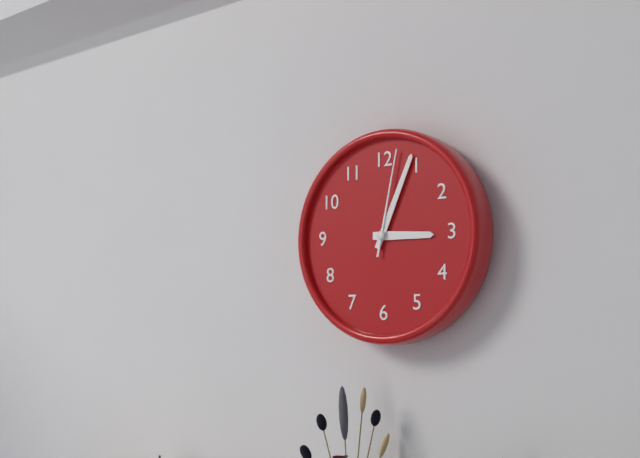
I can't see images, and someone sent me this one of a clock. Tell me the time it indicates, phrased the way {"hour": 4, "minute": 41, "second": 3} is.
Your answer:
{"hour": 3, "minute": 4, "second": 2}
